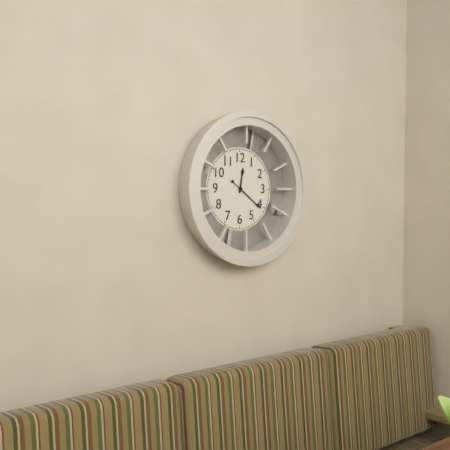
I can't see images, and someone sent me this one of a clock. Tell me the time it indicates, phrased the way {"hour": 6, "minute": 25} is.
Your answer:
{"hour": 12, "minute": 21}
